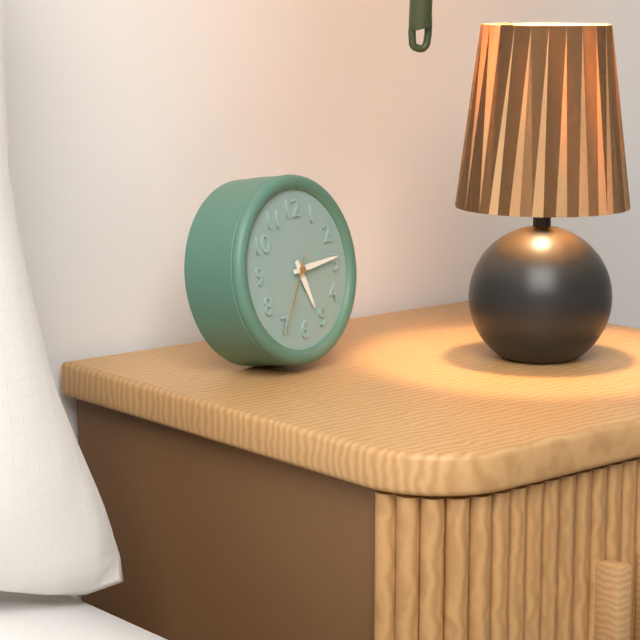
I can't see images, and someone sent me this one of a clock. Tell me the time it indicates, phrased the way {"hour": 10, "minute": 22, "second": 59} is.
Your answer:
{"hour": 5, "minute": 14, "second": 35}
